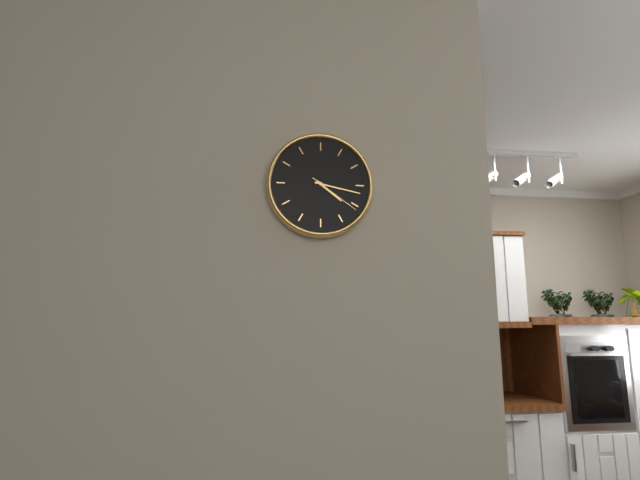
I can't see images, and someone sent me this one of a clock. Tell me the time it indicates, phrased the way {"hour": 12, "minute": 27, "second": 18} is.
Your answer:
{"hour": 4, "minute": 17, "second": 21}
